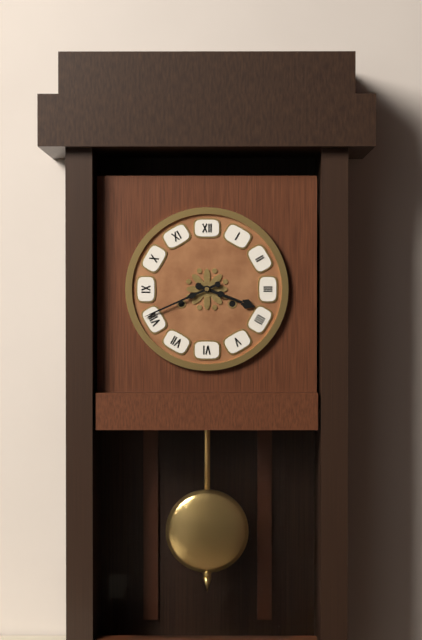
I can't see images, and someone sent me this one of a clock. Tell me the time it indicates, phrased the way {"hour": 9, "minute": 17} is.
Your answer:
{"hour": 3, "minute": 41}
